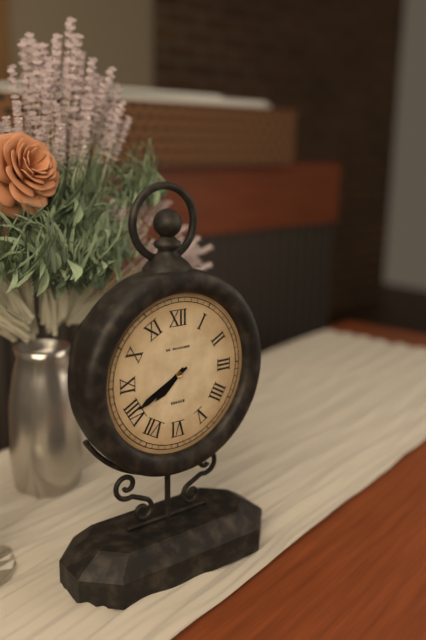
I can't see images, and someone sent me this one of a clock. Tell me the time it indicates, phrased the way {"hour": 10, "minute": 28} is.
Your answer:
{"hour": 7, "minute": 40}
